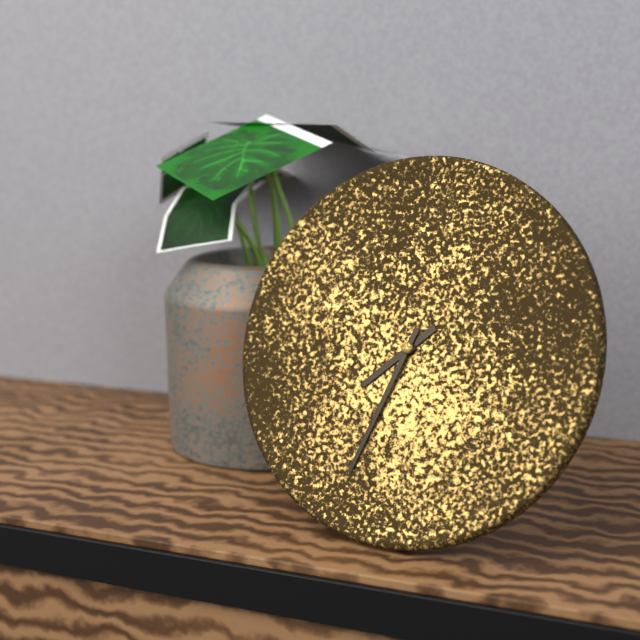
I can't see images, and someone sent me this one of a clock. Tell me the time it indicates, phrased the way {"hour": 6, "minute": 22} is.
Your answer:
{"hour": 7, "minute": 33}
